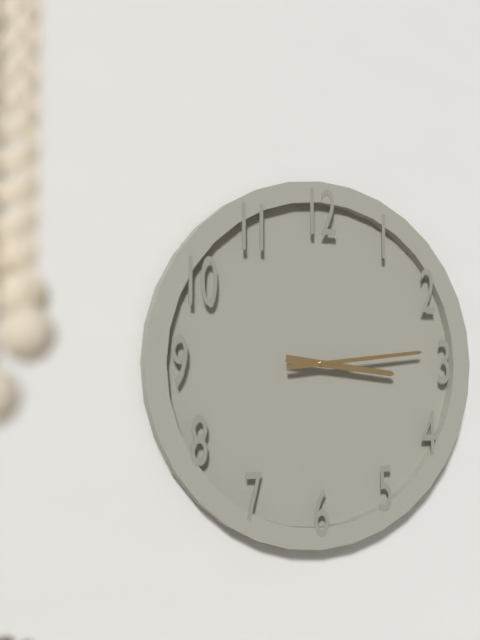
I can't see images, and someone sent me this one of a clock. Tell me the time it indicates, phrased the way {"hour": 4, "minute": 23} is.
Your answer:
{"hour": 3, "minute": 14}
